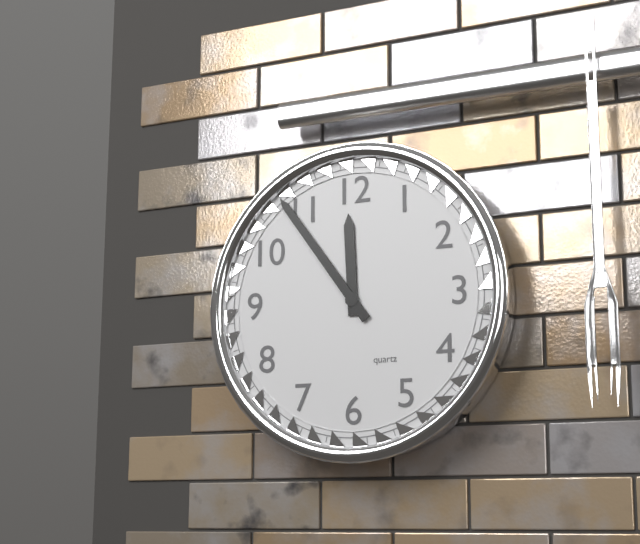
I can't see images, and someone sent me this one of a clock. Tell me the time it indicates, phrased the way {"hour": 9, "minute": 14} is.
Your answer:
{"hour": 11, "minute": 54}
